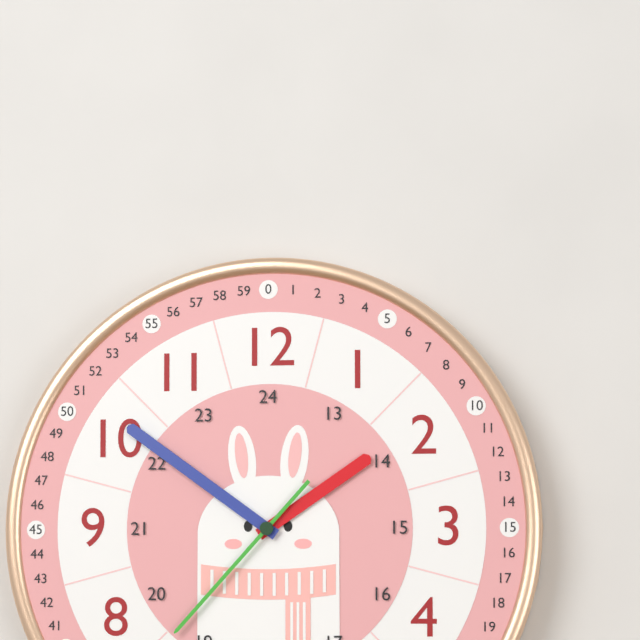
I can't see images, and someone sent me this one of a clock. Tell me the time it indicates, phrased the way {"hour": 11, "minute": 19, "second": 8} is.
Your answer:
{"hour": 1, "minute": 51, "second": 37}
